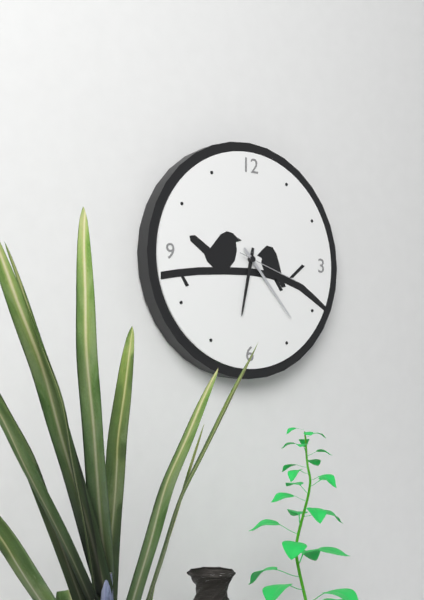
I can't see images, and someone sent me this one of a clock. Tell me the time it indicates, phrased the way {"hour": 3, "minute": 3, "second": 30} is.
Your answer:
{"hour": 6, "minute": 23, "second": 18}
